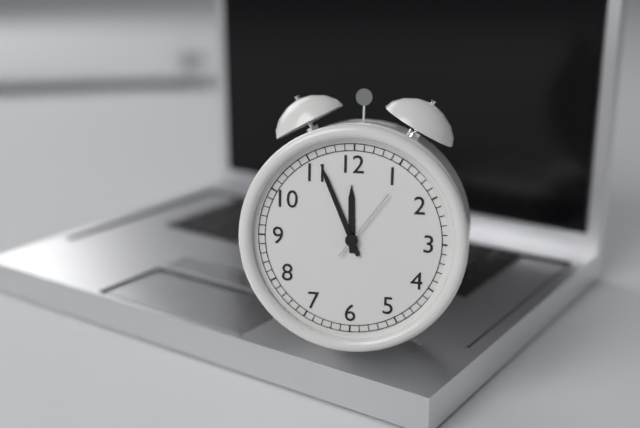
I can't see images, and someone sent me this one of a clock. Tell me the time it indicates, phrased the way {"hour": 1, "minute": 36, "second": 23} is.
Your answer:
{"hour": 11, "minute": 56, "second": 6}
